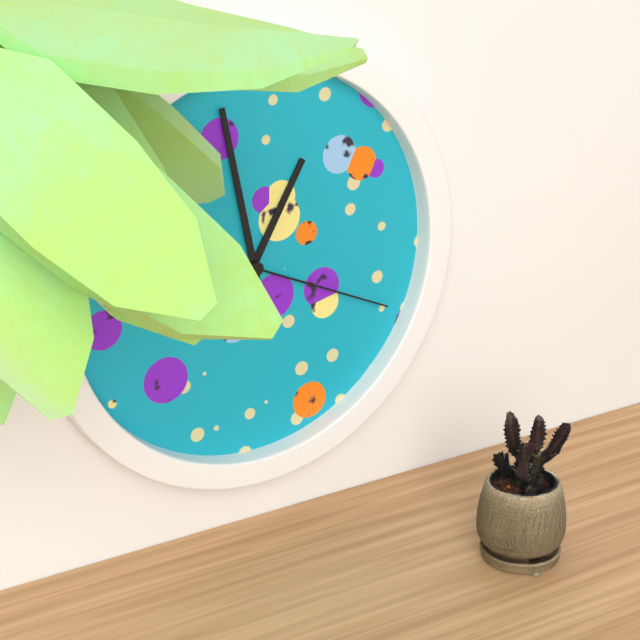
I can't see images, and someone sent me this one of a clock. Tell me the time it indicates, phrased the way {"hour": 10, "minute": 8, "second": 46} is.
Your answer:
{"hour": 12, "minute": 58, "second": 19}
